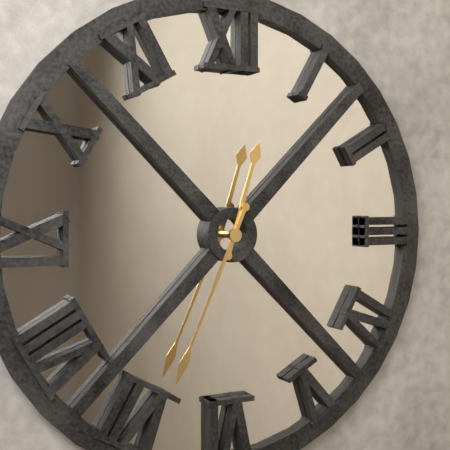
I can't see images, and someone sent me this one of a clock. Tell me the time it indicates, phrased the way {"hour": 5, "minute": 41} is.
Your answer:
{"hour": 12, "minute": 34}
